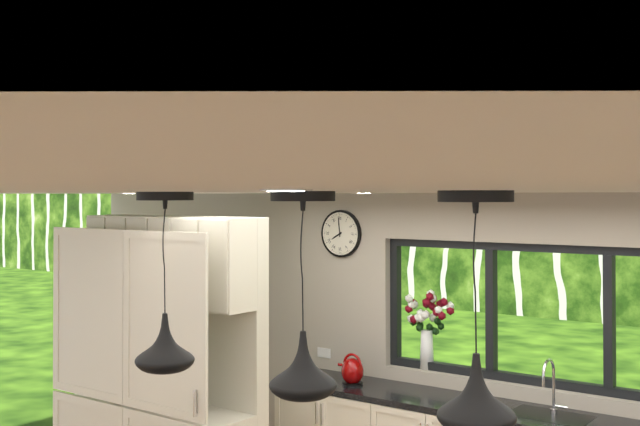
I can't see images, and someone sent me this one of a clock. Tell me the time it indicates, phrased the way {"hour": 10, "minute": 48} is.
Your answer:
{"hour": 7, "minute": 59}
